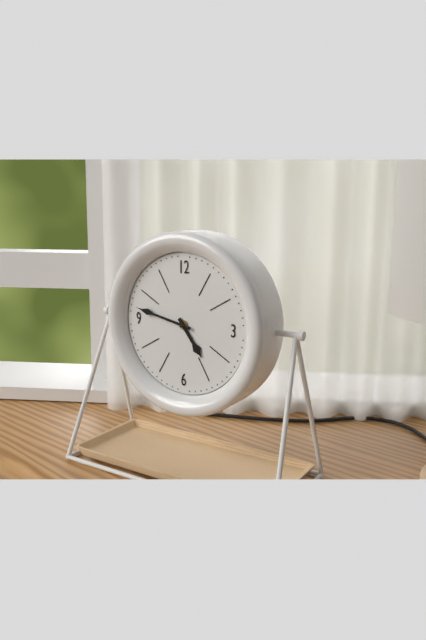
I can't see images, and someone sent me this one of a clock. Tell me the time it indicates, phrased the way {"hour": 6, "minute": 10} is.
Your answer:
{"hour": 4, "minute": 47}
